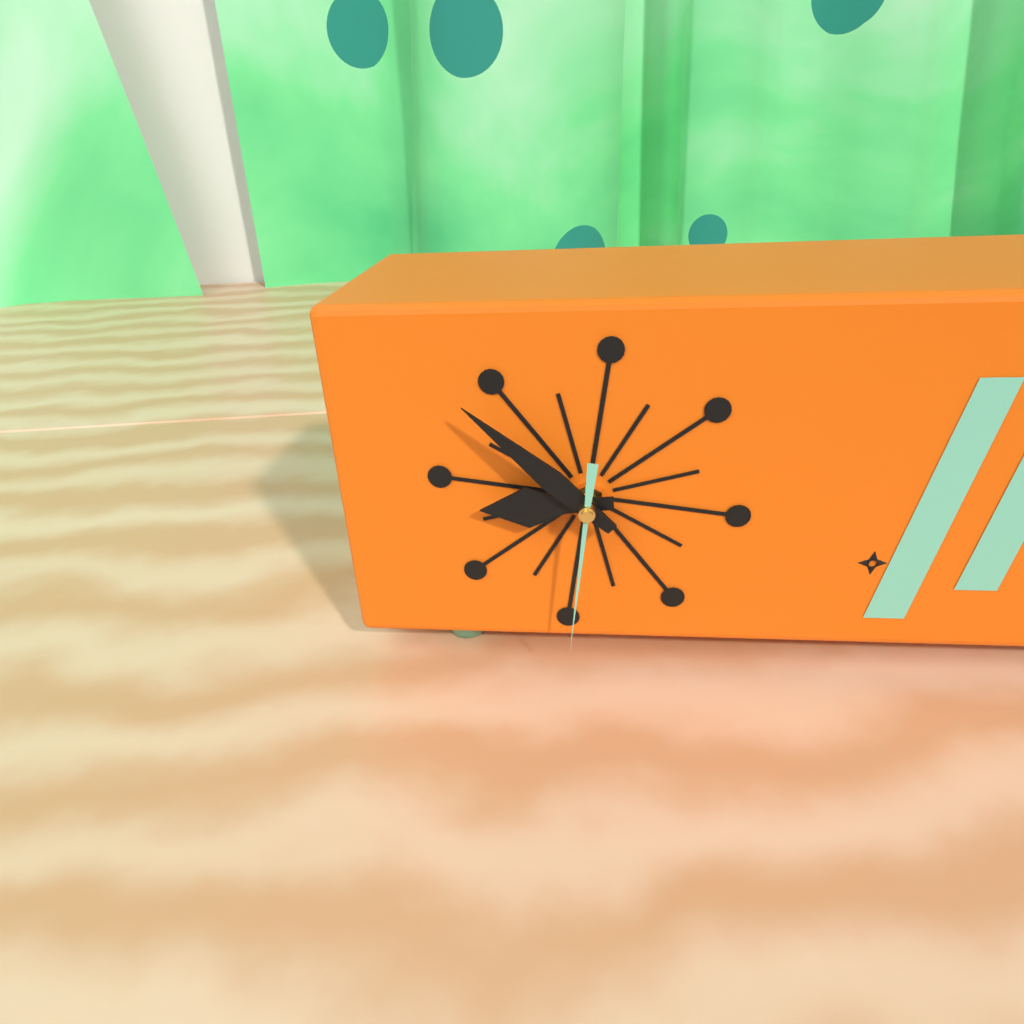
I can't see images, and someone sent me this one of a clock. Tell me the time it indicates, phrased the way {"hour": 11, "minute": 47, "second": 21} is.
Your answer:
{"hour": 8, "minute": 52, "second": 31}
